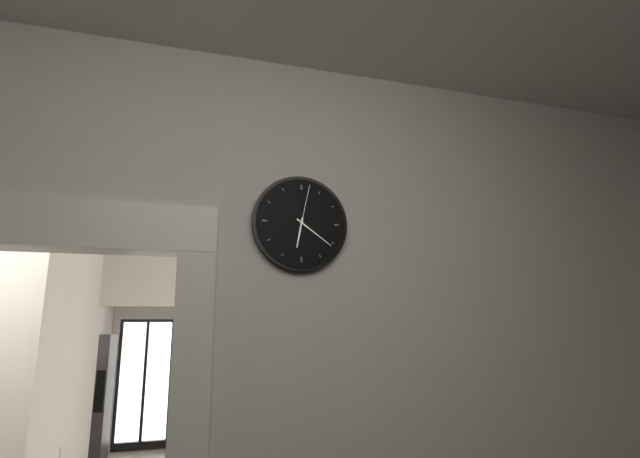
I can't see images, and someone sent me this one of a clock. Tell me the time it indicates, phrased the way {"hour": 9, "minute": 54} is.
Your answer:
{"hour": 6, "minute": 21}
